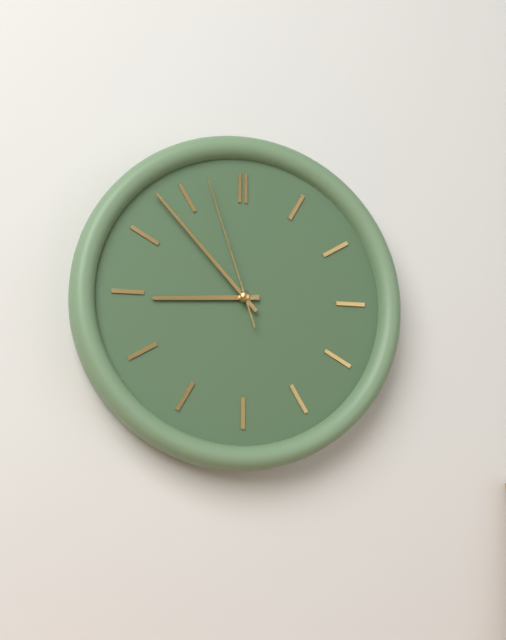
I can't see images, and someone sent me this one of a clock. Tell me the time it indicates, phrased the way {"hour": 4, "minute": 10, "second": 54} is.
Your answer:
{"hour": 8, "minute": 53, "second": 57}
